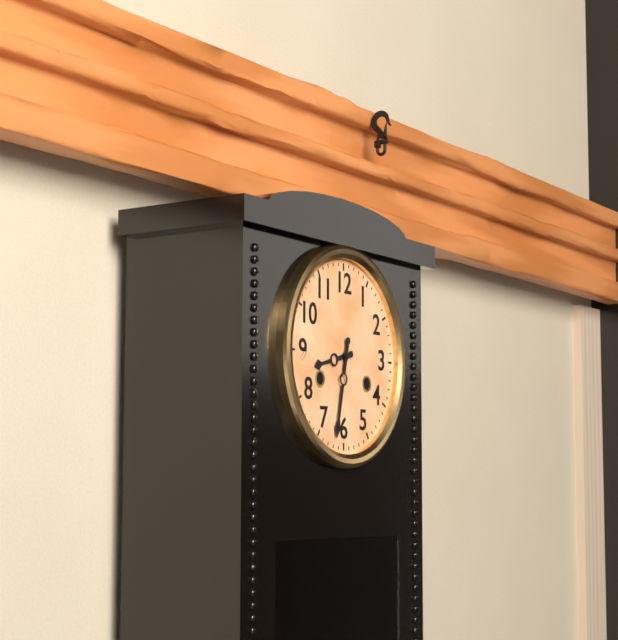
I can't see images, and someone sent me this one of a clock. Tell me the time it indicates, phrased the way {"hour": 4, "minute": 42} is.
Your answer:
{"hour": 8, "minute": 32}
